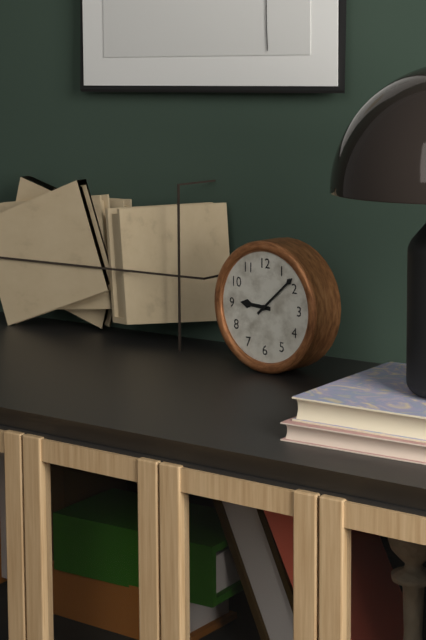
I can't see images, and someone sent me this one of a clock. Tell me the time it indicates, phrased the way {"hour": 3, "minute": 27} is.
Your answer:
{"hour": 9, "minute": 8}
